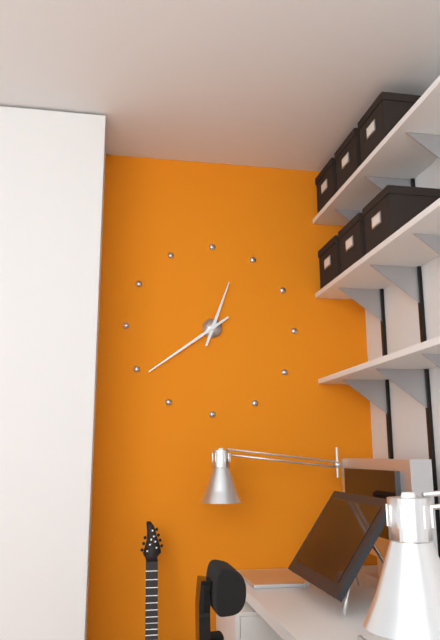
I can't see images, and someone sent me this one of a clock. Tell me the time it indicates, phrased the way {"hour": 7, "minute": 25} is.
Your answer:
{"hour": 12, "minute": 39}
